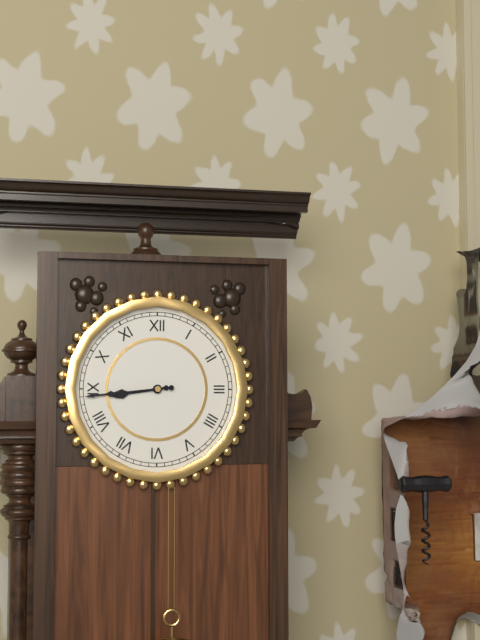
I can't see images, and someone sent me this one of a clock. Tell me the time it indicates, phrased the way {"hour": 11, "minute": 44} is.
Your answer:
{"hour": 8, "minute": 44}
